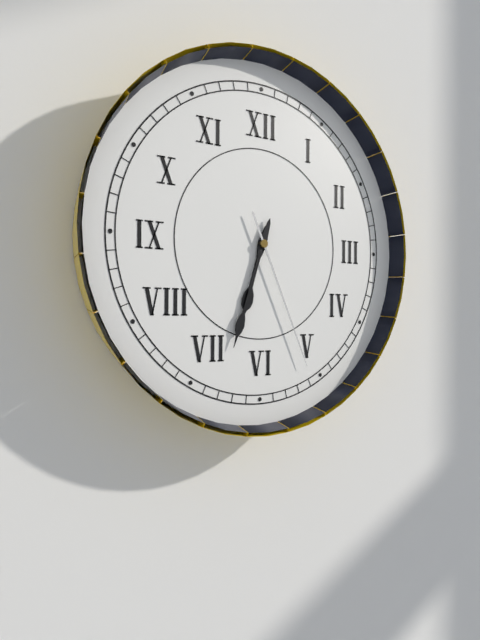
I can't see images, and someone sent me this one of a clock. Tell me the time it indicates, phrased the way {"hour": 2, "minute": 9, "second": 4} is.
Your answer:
{"hour": 6, "minute": 33, "second": 26}
